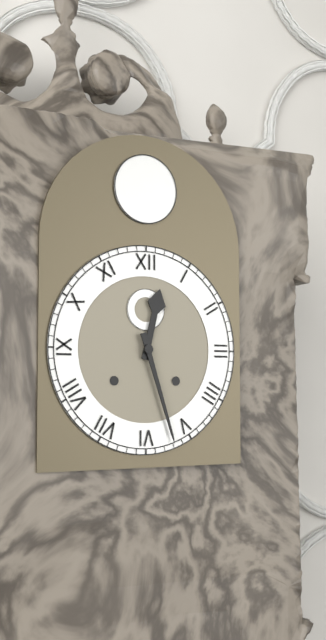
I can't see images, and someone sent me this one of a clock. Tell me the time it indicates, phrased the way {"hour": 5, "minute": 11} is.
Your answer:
{"hour": 12, "minute": 27}
